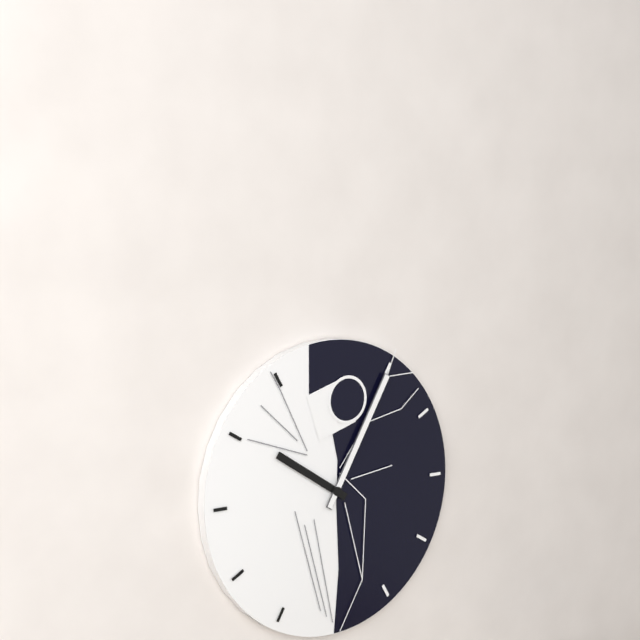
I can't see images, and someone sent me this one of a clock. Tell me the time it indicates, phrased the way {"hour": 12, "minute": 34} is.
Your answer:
{"hour": 10, "minute": 5}
